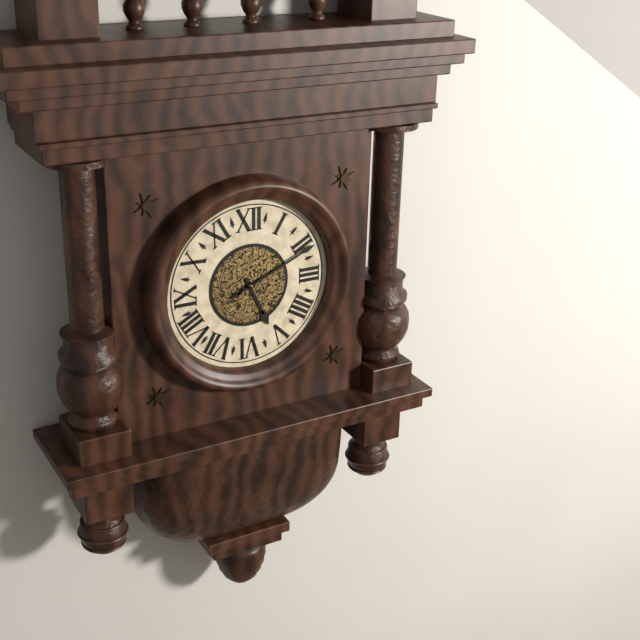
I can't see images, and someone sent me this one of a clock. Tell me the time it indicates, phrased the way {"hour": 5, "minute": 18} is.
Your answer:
{"hour": 5, "minute": 11}
